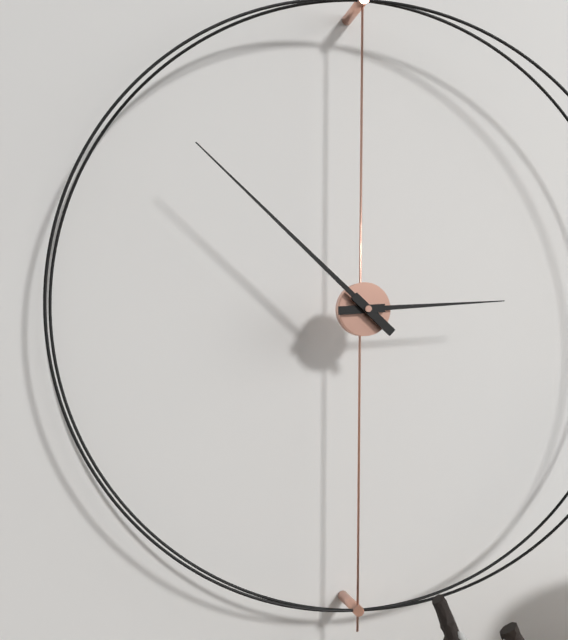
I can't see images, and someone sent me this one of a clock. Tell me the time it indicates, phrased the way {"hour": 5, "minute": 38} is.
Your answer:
{"hour": 2, "minute": 52}
